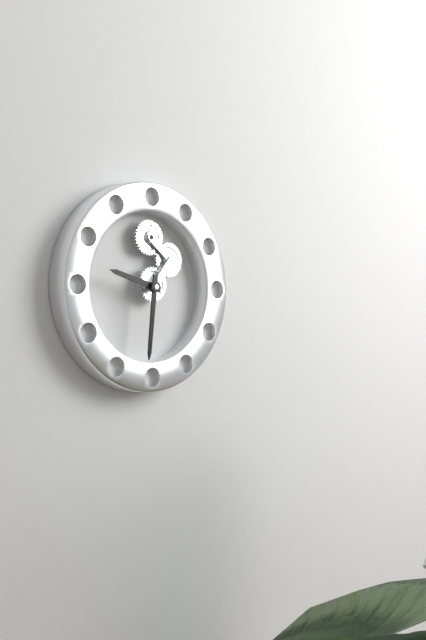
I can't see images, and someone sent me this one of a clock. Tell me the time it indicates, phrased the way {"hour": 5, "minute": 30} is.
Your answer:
{"hour": 9, "minute": 31}
